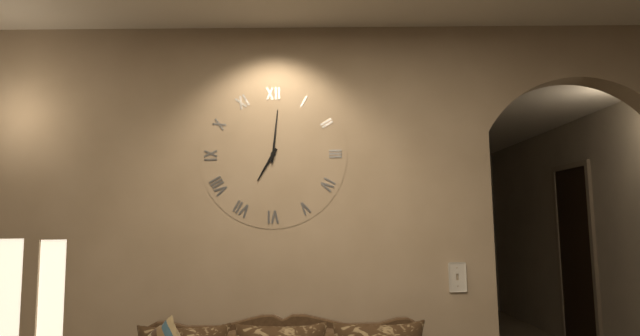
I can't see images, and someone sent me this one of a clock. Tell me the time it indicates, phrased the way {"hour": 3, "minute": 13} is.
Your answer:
{"hour": 7, "minute": 1}
